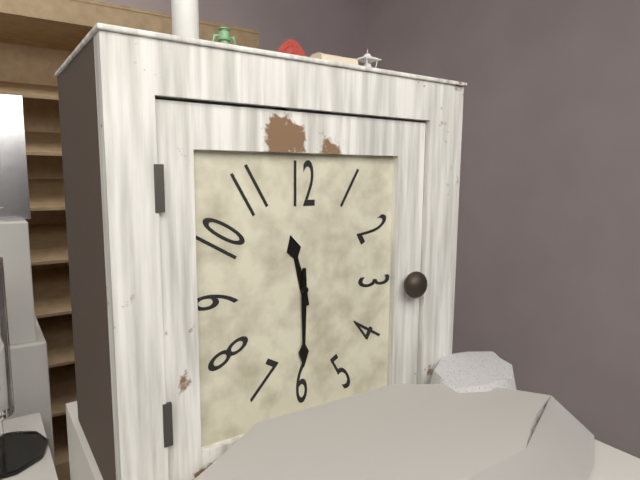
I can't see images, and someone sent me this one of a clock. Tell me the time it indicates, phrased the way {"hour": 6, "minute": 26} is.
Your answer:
{"hour": 11, "minute": 30}
